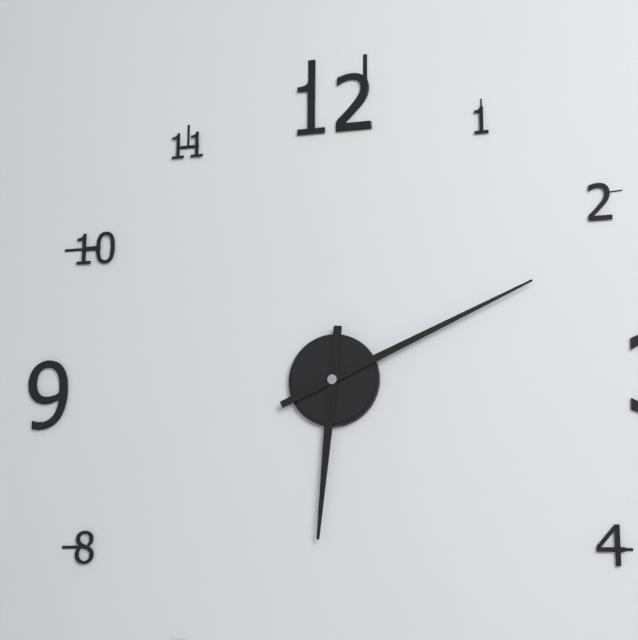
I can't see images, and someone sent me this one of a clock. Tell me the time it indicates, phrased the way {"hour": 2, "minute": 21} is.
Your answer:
{"hour": 6, "minute": 11}
